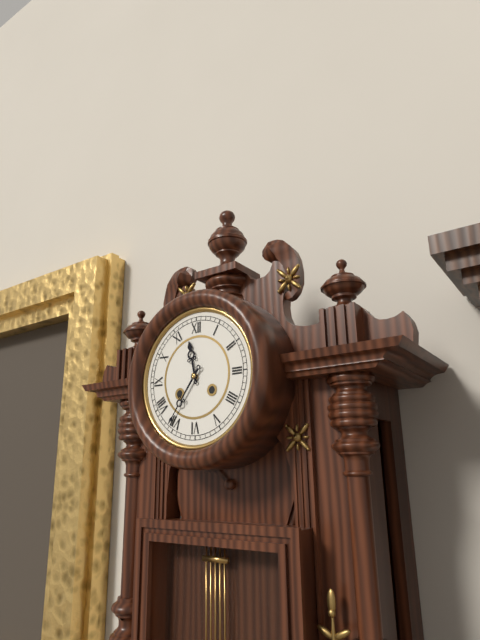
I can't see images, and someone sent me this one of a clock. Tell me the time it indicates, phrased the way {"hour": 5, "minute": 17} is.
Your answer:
{"hour": 11, "minute": 36}
